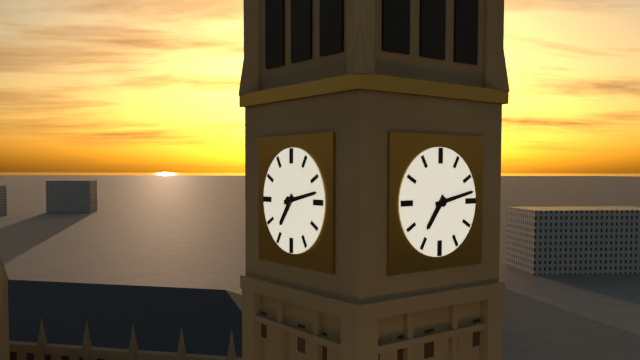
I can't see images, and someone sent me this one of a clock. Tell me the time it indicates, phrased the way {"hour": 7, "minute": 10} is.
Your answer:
{"hour": 7, "minute": 13}
